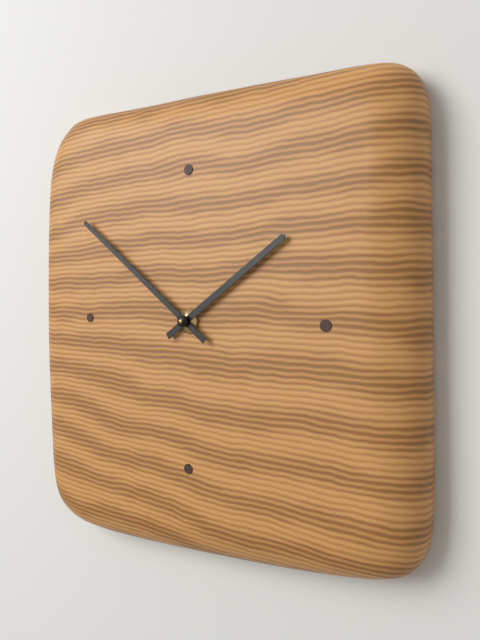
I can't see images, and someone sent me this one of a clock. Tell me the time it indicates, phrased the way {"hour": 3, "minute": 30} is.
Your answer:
{"hour": 1, "minute": 51}
